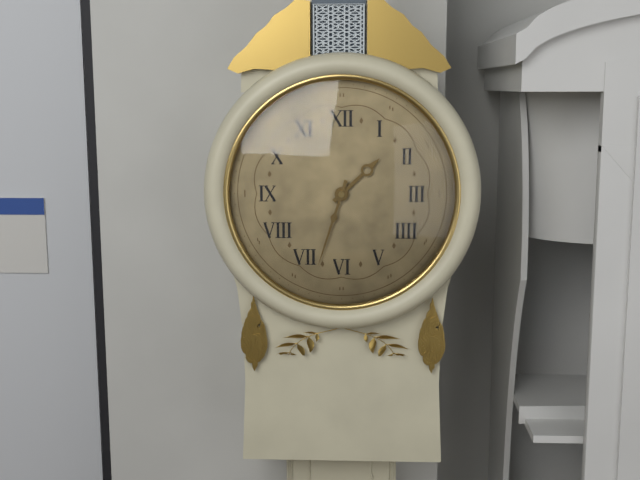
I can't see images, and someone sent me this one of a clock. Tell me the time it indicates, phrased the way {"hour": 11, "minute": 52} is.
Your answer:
{"hour": 1, "minute": 33}
